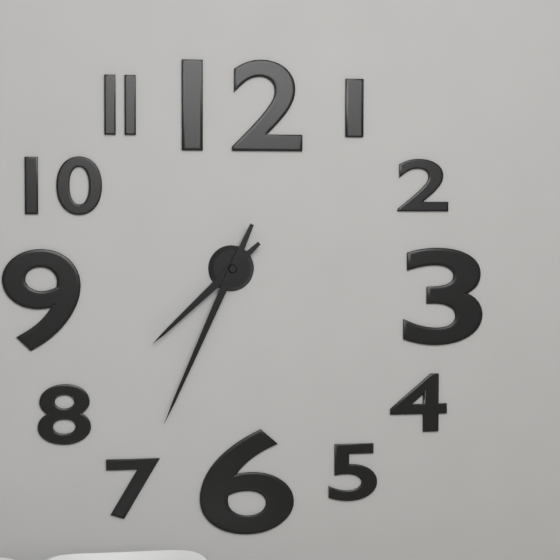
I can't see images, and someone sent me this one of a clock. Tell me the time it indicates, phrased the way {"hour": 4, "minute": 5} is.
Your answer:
{"hour": 7, "minute": 34}
